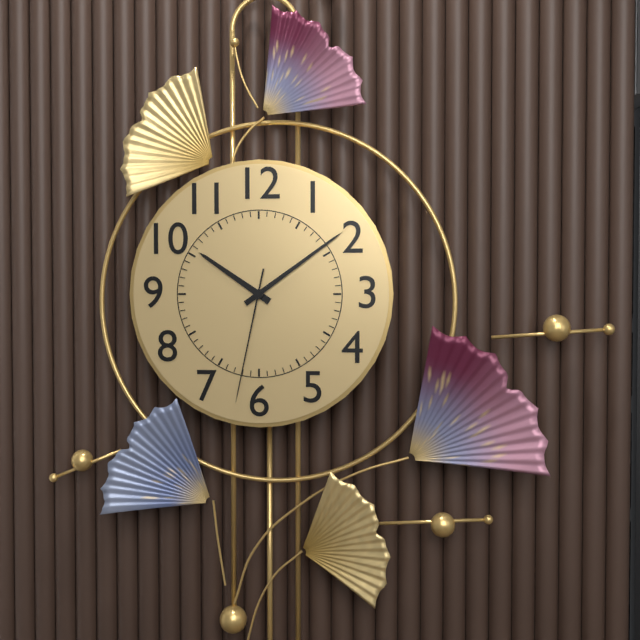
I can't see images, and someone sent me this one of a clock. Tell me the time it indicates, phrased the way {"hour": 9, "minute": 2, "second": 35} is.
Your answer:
{"hour": 10, "minute": 9, "second": 32}
